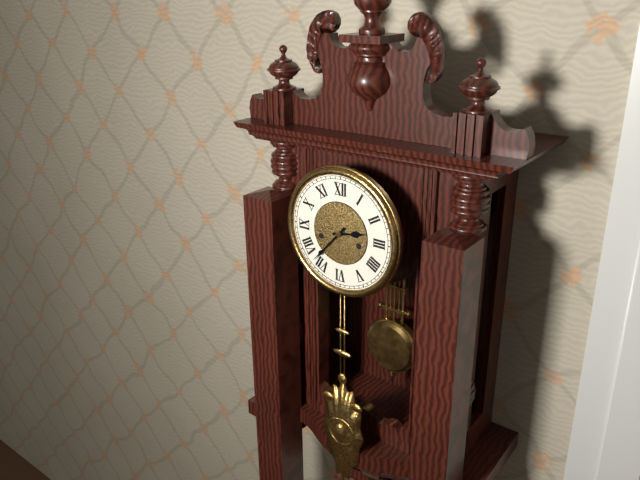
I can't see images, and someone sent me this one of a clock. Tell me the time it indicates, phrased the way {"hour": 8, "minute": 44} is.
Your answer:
{"hour": 2, "minute": 37}
